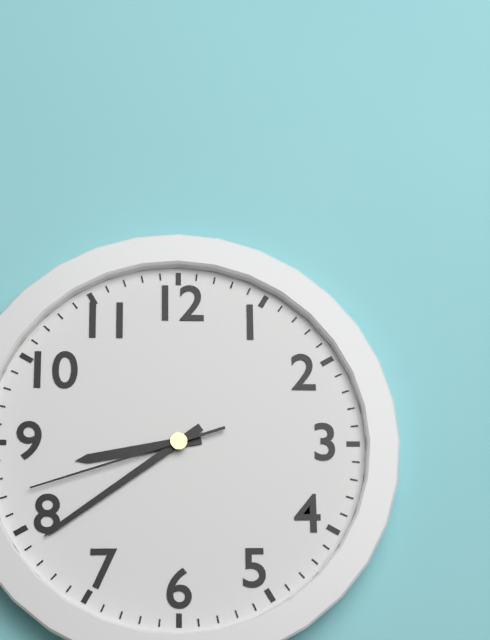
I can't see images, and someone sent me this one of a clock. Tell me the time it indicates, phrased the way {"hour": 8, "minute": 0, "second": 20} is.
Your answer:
{"hour": 8, "minute": 39, "second": 42}
